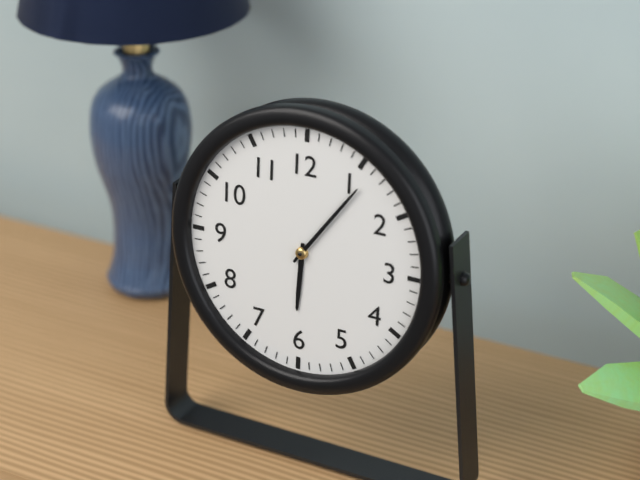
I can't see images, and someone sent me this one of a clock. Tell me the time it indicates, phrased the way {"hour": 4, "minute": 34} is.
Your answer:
{"hour": 6, "minute": 6}
